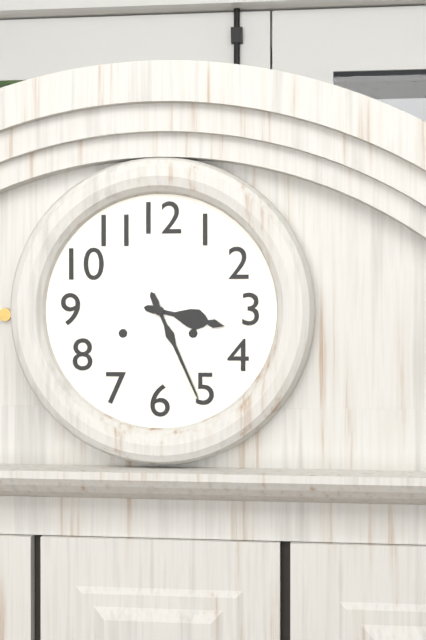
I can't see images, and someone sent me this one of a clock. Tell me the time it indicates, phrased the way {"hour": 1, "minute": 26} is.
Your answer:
{"hour": 3, "minute": 26}
